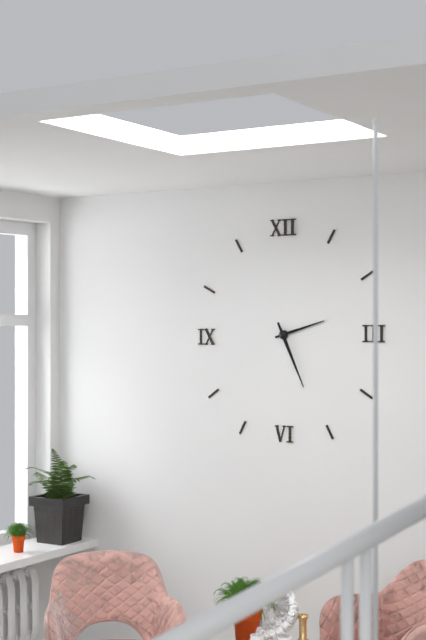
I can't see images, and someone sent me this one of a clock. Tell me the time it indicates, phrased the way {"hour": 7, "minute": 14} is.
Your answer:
{"hour": 2, "minute": 26}
